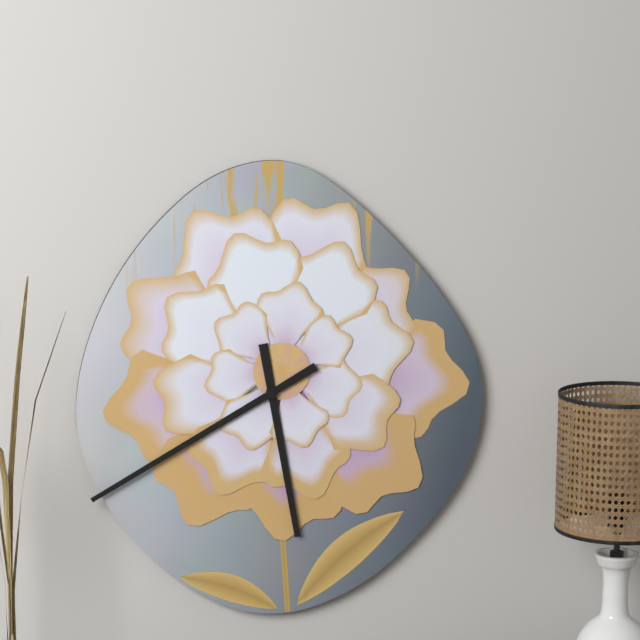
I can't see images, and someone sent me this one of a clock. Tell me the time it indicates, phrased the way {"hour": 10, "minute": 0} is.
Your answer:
{"hour": 5, "minute": 40}
